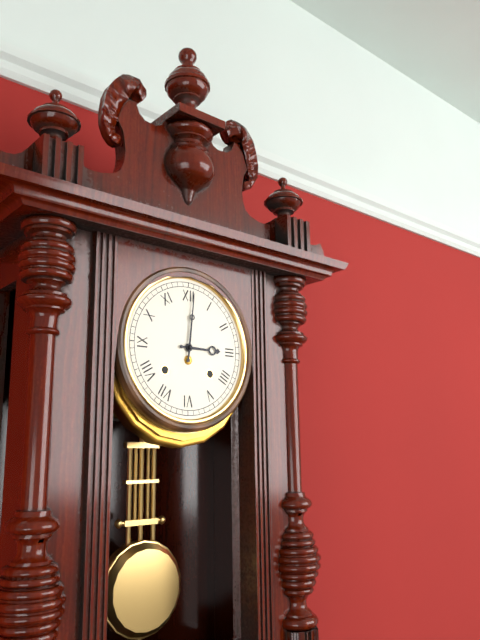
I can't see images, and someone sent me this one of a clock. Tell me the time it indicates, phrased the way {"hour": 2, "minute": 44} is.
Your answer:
{"hour": 3, "minute": 1}
